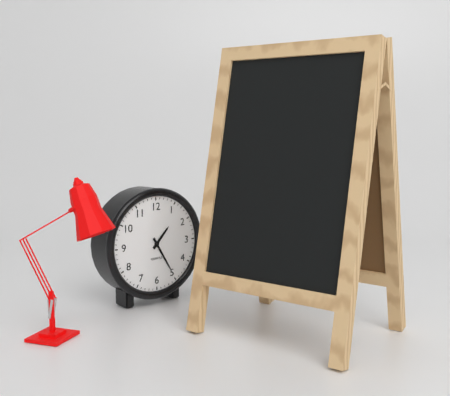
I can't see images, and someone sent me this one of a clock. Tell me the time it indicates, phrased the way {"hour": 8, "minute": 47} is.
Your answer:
{"hour": 1, "minute": 25}
